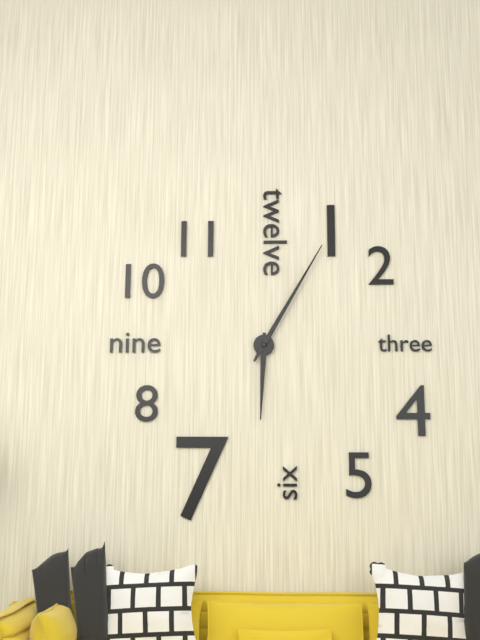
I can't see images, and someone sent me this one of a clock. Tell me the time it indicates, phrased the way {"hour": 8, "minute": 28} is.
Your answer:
{"hour": 6, "minute": 5}
